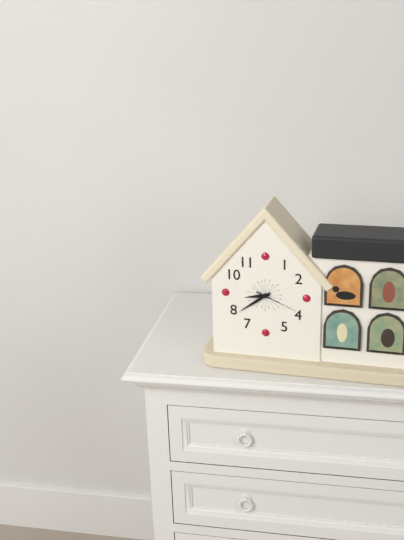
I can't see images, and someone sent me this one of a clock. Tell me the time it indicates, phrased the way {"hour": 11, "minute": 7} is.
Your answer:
{"hour": 8, "minute": 39}
